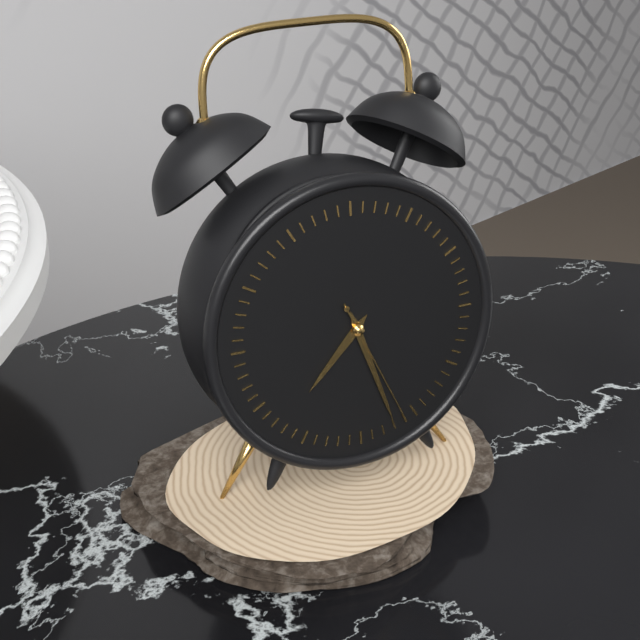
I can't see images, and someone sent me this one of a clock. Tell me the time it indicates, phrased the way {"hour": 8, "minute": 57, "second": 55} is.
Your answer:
{"hour": 7, "minute": 27, "second": 26}
